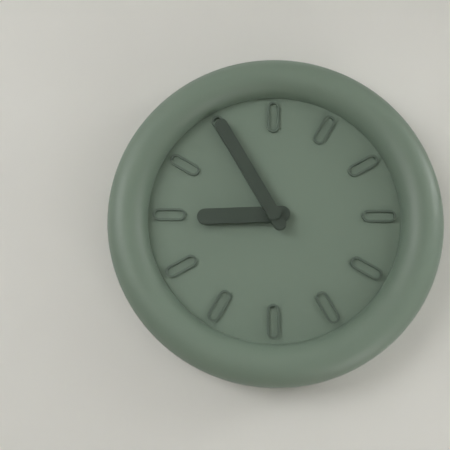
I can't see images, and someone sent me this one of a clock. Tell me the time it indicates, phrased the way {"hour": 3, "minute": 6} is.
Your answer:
{"hour": 8, "minute": 55}
